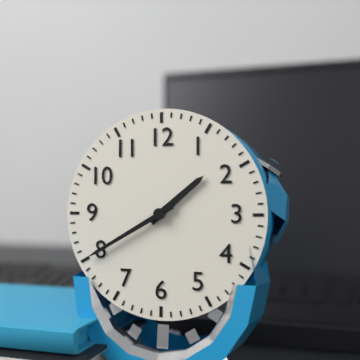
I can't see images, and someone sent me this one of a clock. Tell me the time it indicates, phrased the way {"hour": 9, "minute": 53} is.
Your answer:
{"hour": 1, "minute": 40}
